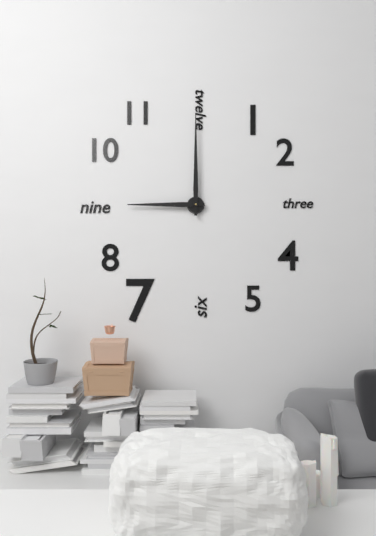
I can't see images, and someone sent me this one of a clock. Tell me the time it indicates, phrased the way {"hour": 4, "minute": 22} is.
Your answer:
{"hour": 9, "minute": 0}
